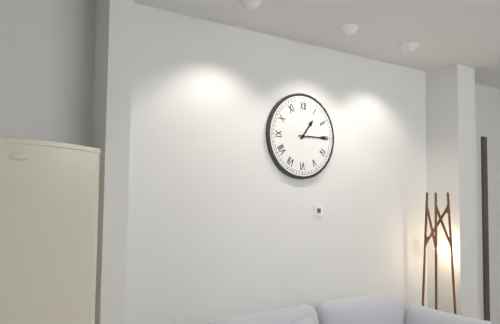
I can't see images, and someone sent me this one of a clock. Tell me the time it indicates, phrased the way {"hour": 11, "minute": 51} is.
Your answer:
{"hour": 1, "minute": 15}
